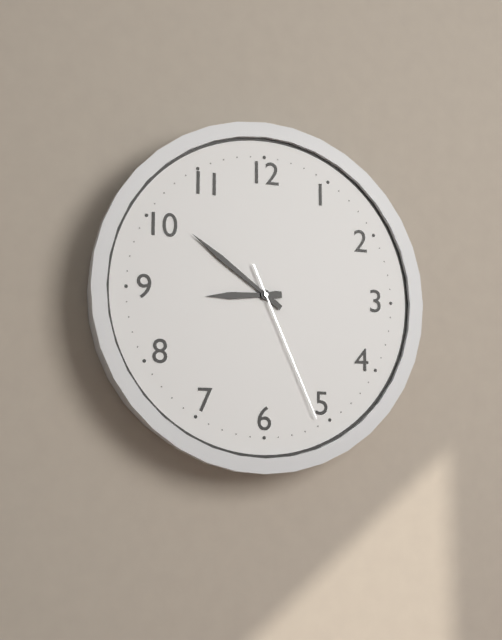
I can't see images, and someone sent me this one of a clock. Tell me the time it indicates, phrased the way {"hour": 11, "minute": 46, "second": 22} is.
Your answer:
{"hour": 8, "minute": 51, "second": 26}
